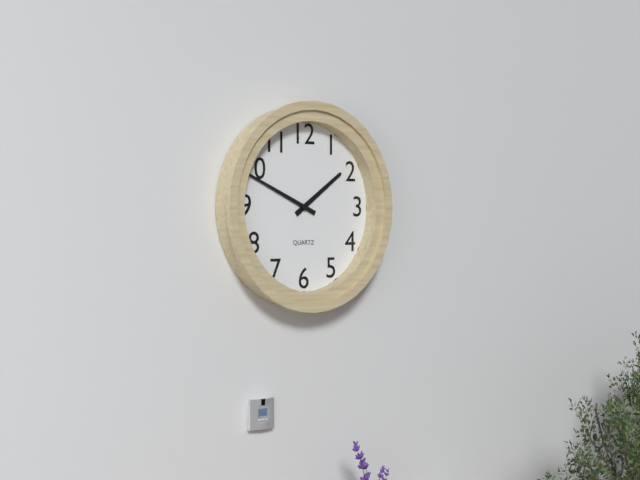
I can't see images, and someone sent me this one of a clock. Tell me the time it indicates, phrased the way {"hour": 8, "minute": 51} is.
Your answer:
{"hour": 1, "minute": 49}
